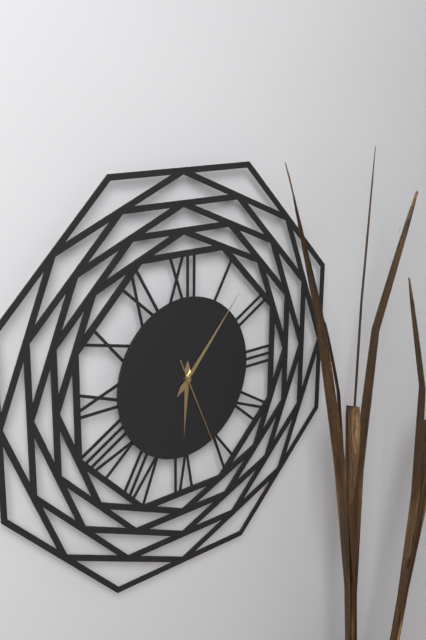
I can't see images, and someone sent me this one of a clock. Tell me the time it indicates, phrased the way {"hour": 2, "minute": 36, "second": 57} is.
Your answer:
{"hour": 6, "minute": 7, "second": 26}
